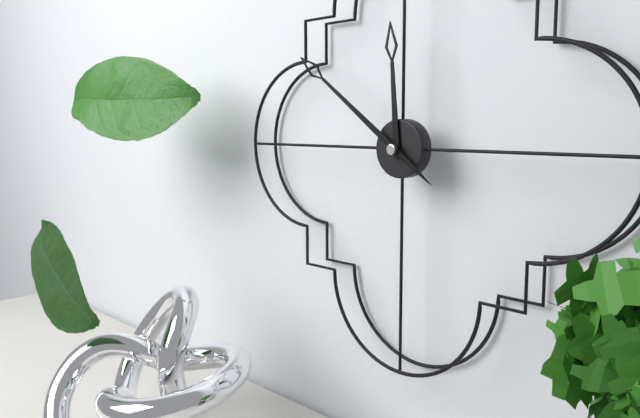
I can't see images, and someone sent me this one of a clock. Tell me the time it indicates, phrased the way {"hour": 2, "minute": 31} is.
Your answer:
{"hour": 11, "minute": 51}
